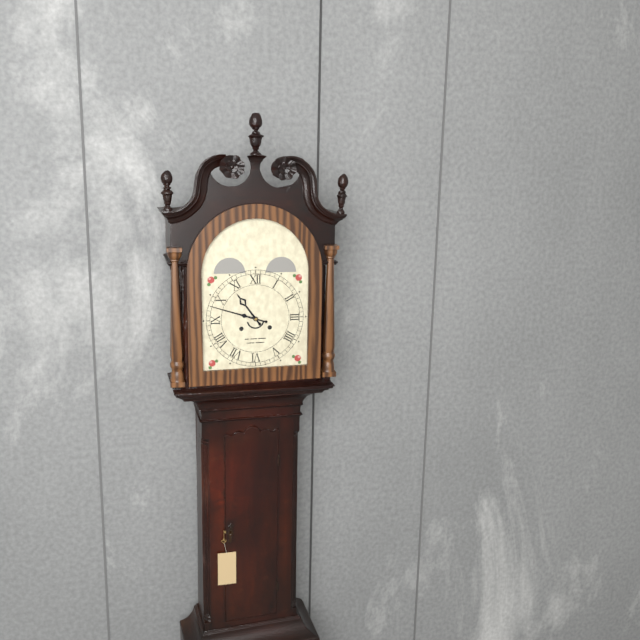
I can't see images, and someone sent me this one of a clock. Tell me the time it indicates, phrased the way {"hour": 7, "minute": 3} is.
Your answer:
{"hour": 10, "minute": 48}
